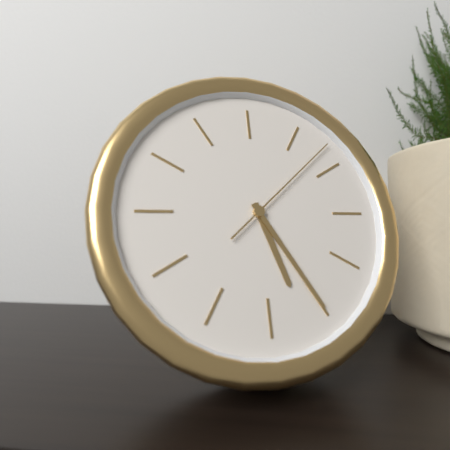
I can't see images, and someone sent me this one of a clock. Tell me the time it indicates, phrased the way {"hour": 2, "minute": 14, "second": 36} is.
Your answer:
{"hour": 5, "minute": 25, "second": 8}
